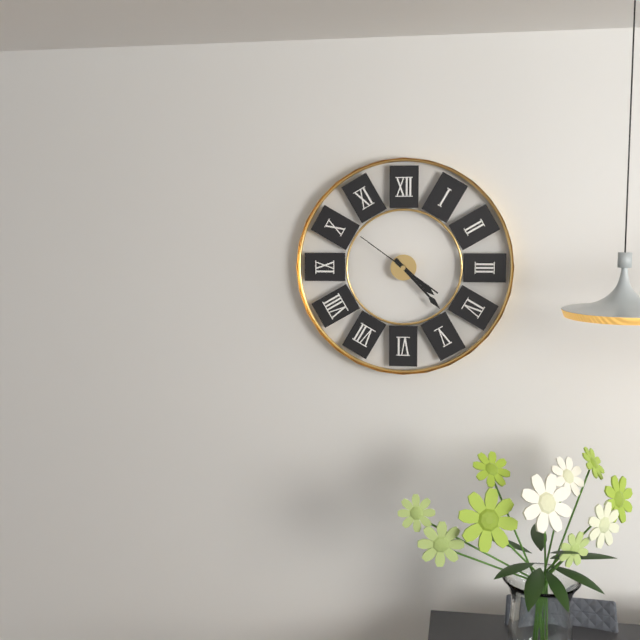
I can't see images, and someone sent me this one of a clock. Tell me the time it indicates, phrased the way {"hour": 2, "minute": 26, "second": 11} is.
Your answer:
{"hour": 4, "minute": 23, "second": 51}
